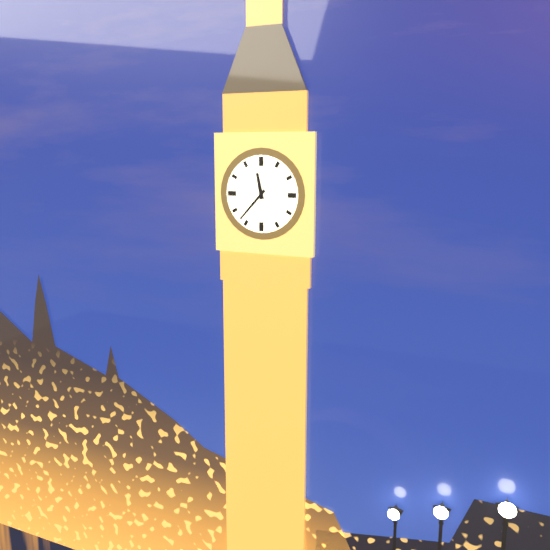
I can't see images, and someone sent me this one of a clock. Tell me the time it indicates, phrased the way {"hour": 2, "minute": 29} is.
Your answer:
{"hour": 11, "minute": 37}
